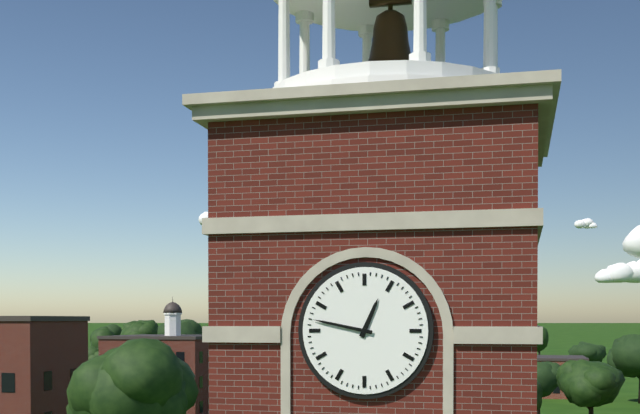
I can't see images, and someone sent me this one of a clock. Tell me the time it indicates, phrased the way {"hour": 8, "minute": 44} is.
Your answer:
{"hour": 12, "minute": 47}
